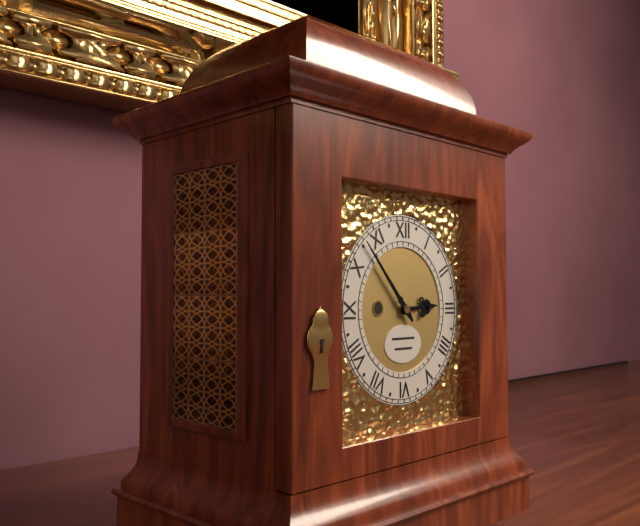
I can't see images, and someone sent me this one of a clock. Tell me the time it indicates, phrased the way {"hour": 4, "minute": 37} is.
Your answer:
{"hour": 2, "minute": 53}
